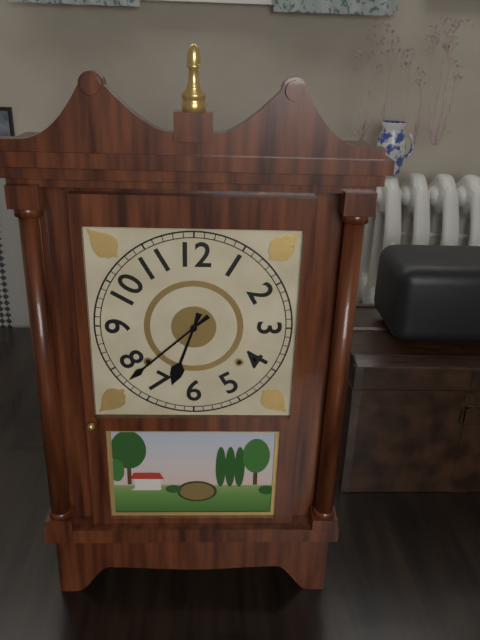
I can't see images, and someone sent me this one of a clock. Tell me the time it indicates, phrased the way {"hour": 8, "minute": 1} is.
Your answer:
{"hour": 6, "minute": 38}
